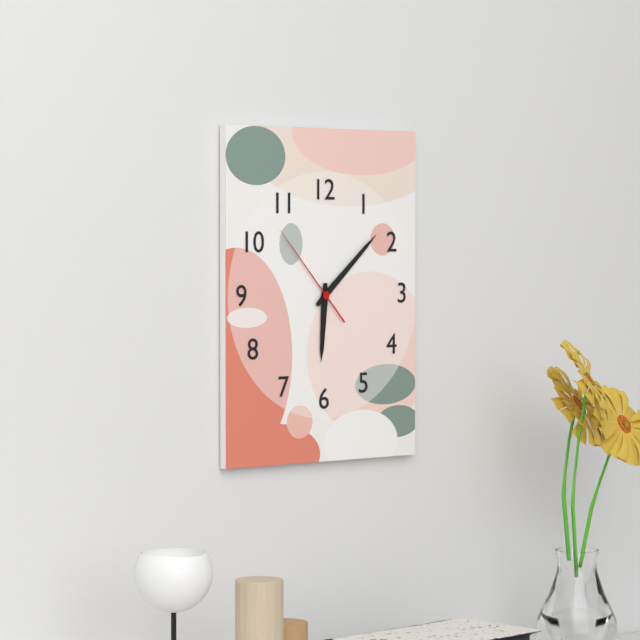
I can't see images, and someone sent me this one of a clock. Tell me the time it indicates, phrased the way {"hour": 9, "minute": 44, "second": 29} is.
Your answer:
{"hour": 6, "minute": 8, "second": 53}
